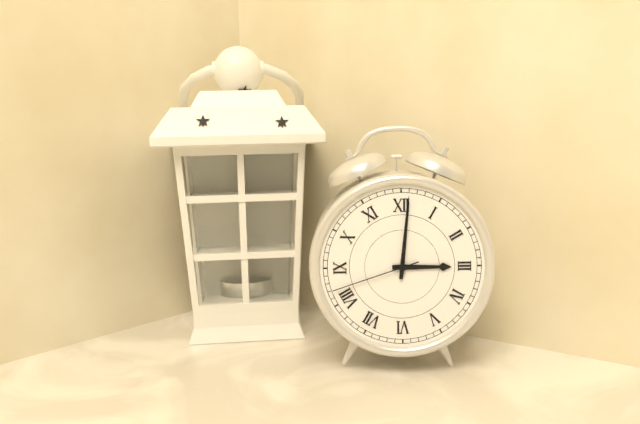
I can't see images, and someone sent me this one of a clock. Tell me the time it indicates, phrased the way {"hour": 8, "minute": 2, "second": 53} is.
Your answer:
{"hour": 3, "minute": 1, "second": 42}
